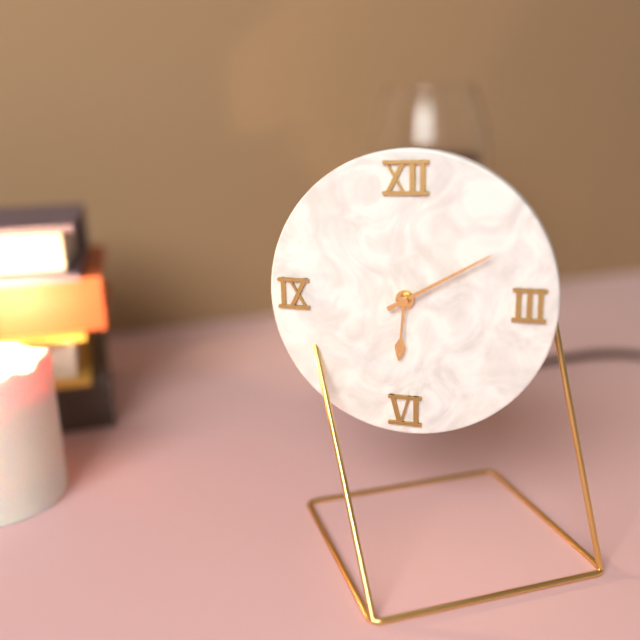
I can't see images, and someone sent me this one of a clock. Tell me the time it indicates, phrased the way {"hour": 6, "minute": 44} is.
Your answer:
{"hour": 6, "minute": 10}
